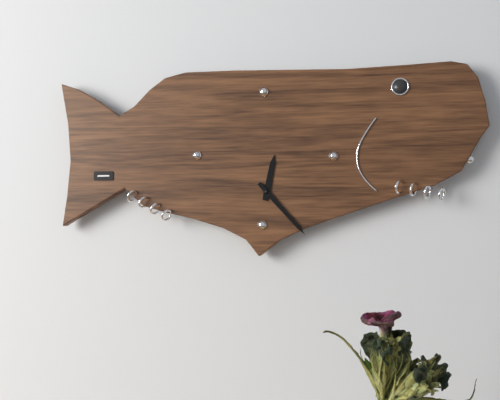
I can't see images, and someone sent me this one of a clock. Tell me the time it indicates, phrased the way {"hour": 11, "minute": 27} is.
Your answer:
{"hour": 12, "minute": 23}
